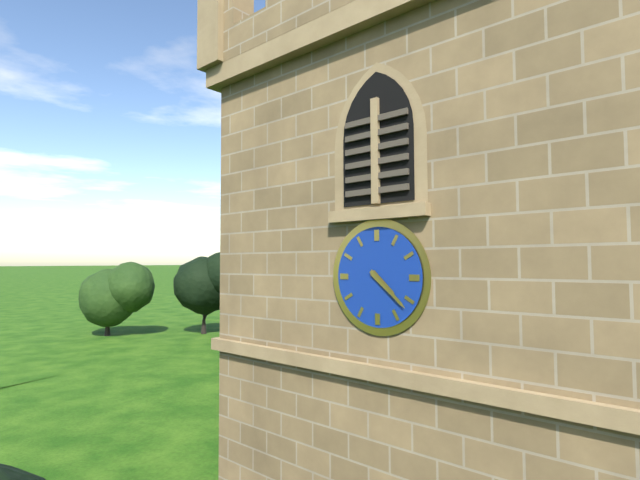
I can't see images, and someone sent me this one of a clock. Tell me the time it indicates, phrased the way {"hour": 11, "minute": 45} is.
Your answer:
{"hour": 4, "minute": 22}
